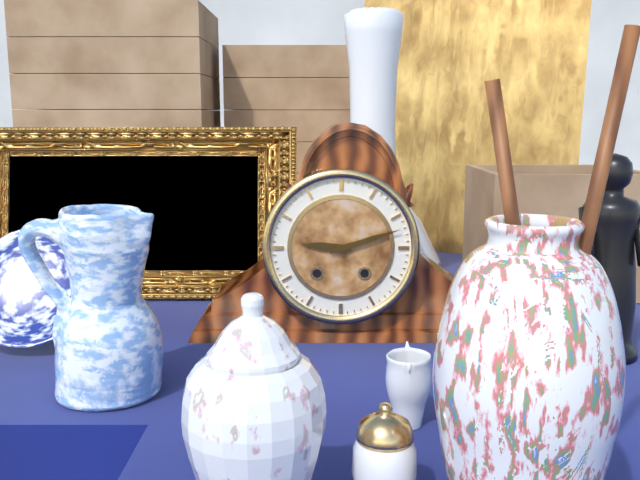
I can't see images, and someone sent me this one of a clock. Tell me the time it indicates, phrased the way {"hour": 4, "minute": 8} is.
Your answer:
{"hour": 9, "minute": 12}
